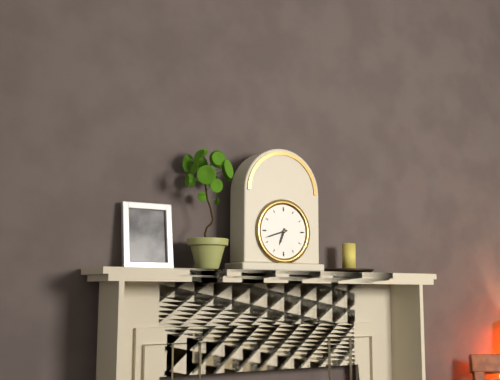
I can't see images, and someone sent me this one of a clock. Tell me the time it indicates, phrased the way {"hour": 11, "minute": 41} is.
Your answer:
{"hour": 6, "minute": 42}
